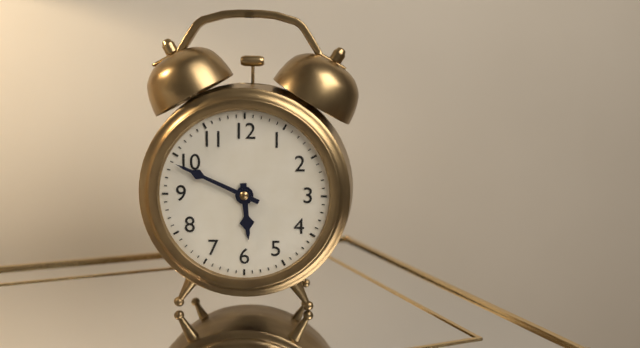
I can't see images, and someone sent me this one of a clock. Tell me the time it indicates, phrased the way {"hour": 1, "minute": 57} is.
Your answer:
{"hour": 5, "minute": 49}
